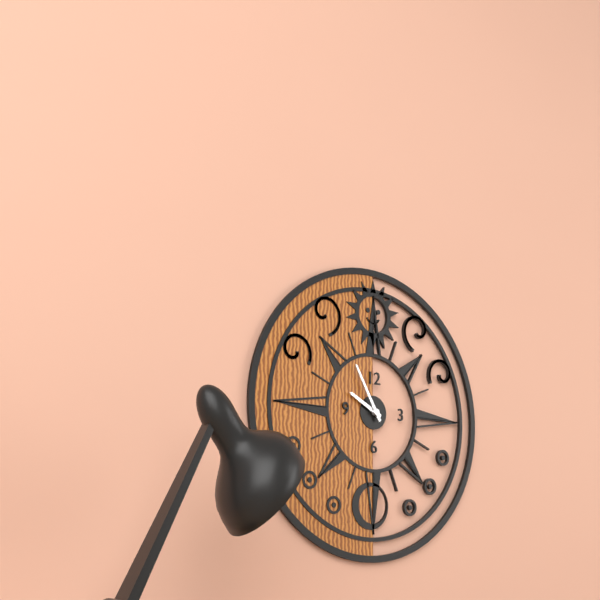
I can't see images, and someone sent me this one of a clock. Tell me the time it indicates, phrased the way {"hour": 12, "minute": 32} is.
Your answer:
{"hour": 9, "minute": 55}
